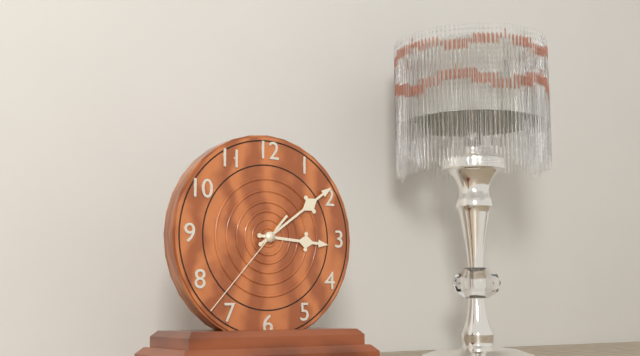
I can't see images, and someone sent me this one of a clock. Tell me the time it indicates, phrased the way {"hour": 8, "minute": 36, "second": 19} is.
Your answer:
{"hour": 3, "minute": 9, "second": 37}
